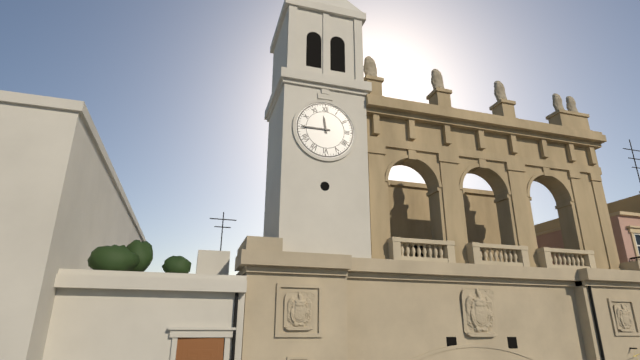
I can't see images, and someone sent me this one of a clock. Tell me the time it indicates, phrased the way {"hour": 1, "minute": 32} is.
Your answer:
{"hour": 11, "minute": 45}
